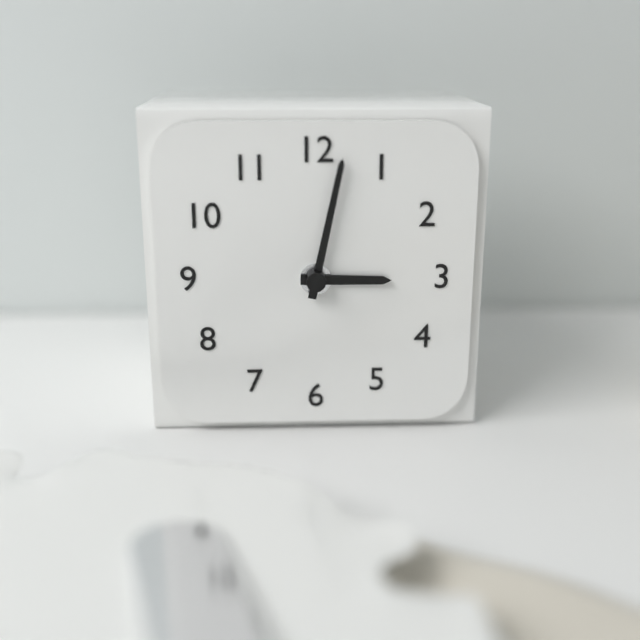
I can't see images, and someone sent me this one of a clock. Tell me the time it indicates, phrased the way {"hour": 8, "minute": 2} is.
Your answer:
{"hour": 3, "minute": 2}
